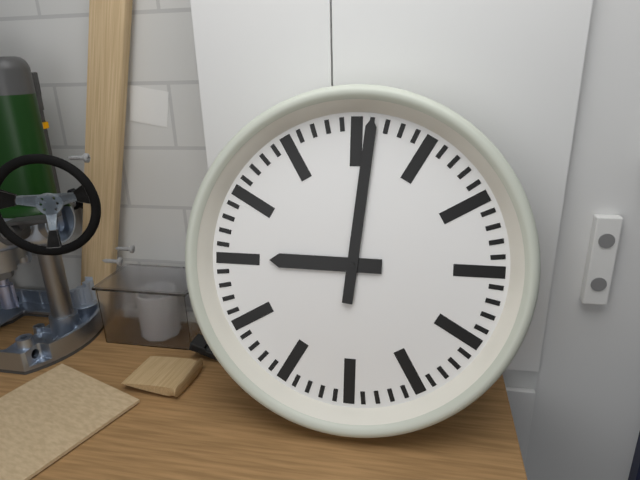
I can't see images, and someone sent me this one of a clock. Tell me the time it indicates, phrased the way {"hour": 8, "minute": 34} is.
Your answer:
{"hour": 9, "minute": 1}
